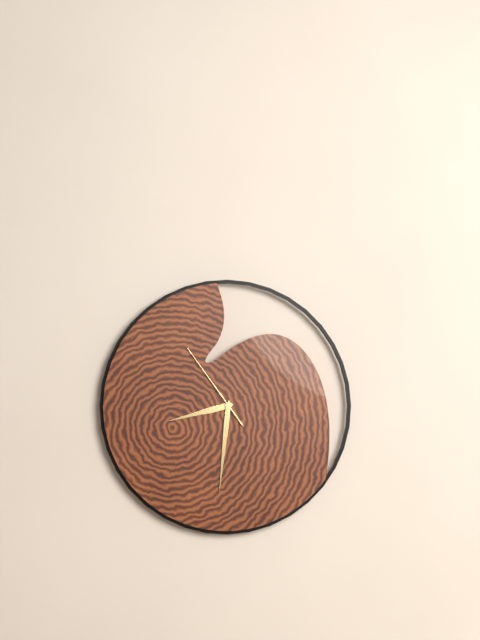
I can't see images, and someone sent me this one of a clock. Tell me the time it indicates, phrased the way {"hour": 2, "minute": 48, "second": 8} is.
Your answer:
{"hour": 8, "minute": 31, "second": 54}
